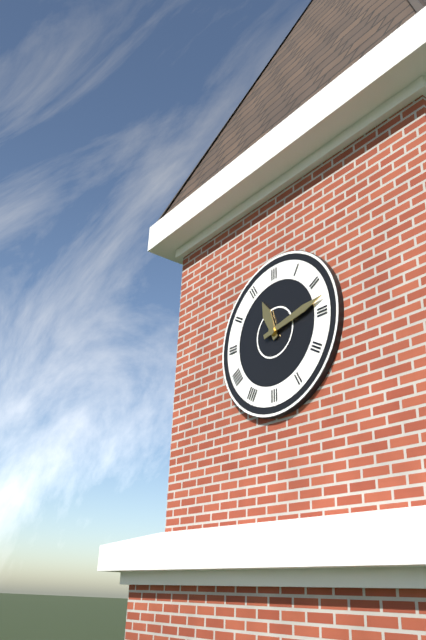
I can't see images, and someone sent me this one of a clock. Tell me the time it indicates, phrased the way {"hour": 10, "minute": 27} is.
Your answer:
{"hour": 11, "minute": 13}
